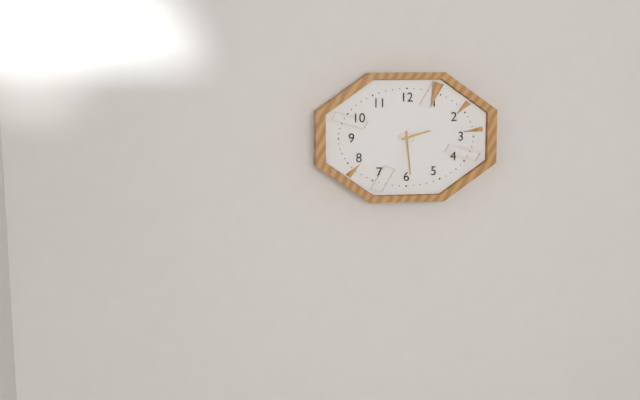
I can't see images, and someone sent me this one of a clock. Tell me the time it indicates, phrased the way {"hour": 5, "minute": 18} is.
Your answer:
{"hour": 2, "minute": 29}
